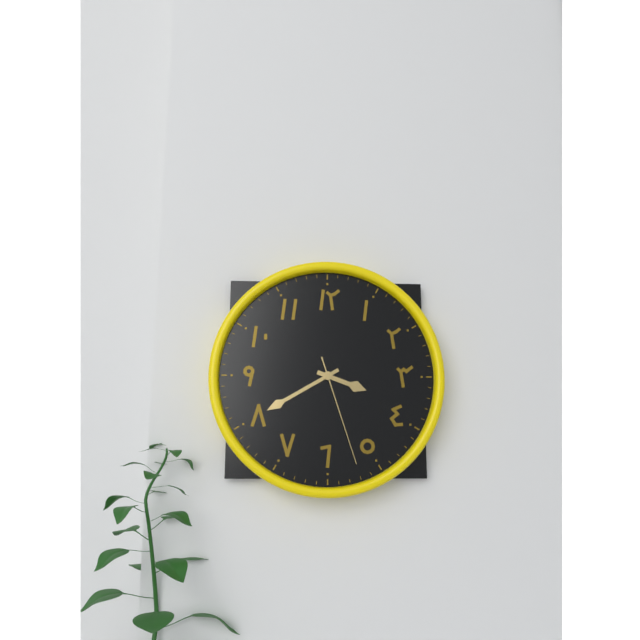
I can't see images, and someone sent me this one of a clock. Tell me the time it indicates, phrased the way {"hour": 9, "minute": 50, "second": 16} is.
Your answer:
{"hour": 3, "minute": 40, "second": 27}
